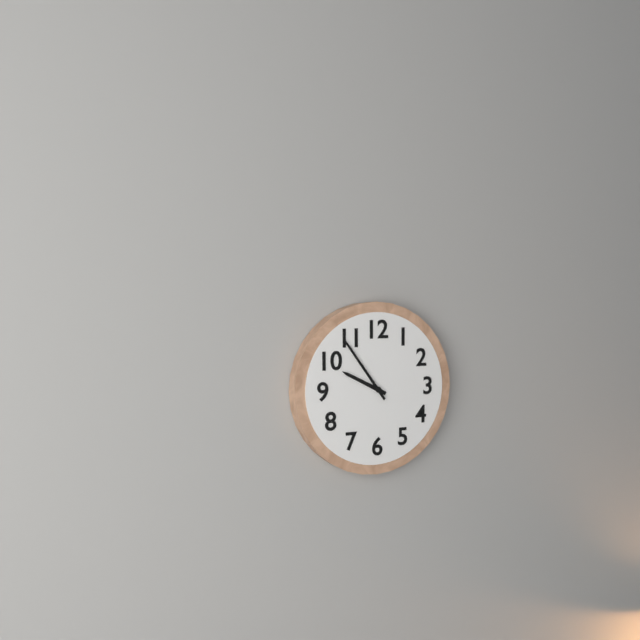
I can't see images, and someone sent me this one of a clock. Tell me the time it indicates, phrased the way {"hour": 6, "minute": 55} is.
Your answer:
{"hour": 9, "minute": 54}
